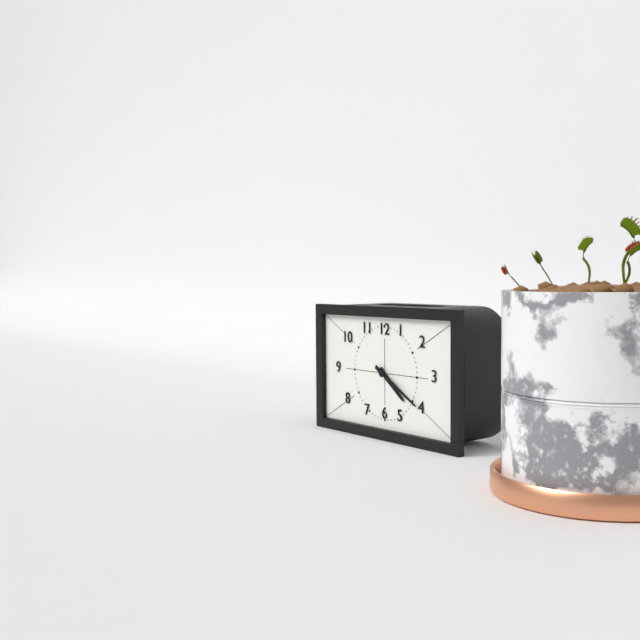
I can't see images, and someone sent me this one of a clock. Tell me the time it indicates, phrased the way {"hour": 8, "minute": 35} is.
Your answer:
{"hour": 4, "minute": 20}
